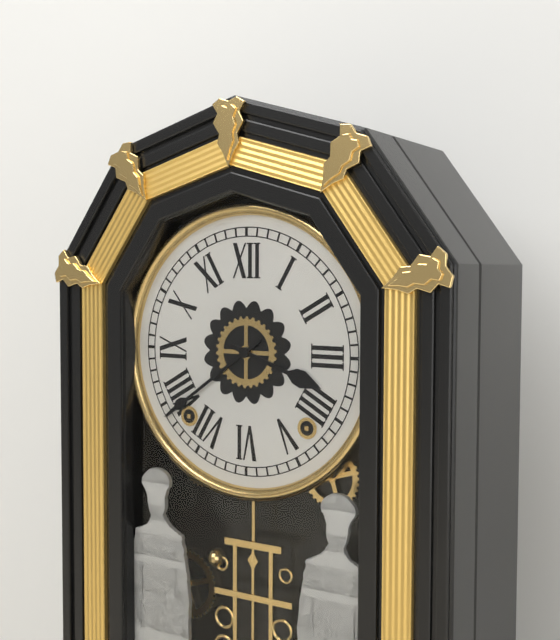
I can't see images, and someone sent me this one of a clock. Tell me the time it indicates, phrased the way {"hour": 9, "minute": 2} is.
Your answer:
{"hour": 3, "minute": 39}
